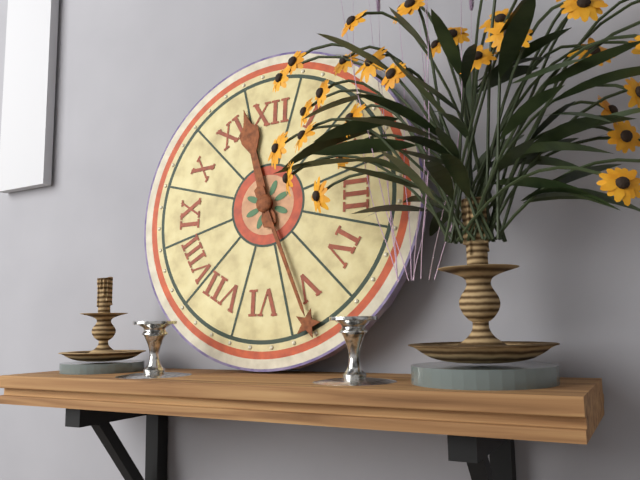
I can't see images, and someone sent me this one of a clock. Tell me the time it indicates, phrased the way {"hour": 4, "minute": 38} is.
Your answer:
{"hour": 11, "minute": 26}
